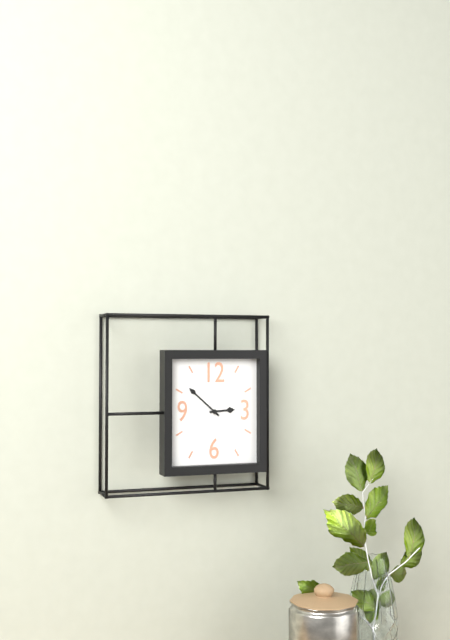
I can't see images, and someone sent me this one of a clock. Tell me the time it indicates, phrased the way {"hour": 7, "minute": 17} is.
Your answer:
{"hour": 2, "minute": 52}
